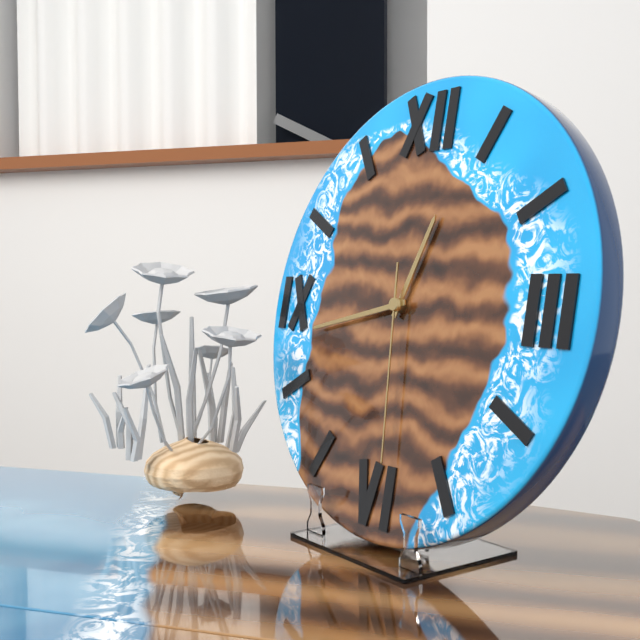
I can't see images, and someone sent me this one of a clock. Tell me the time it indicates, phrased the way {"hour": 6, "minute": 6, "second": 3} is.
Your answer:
{"hour": 12, "minute": 43, "second": 29}
